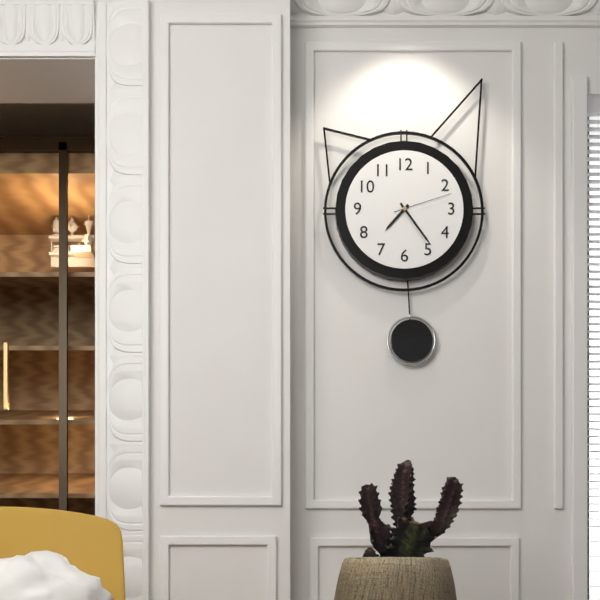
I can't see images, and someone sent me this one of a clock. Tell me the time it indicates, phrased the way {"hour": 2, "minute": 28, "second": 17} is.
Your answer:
{"hour": 7, "minute": 24, "second": 12}
